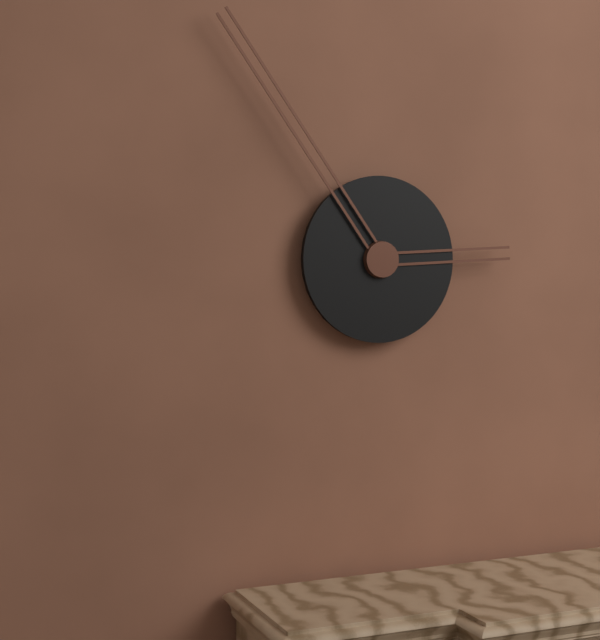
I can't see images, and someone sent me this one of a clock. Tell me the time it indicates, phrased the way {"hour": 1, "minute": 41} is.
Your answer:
{"hour": 2, "minute": 54}
